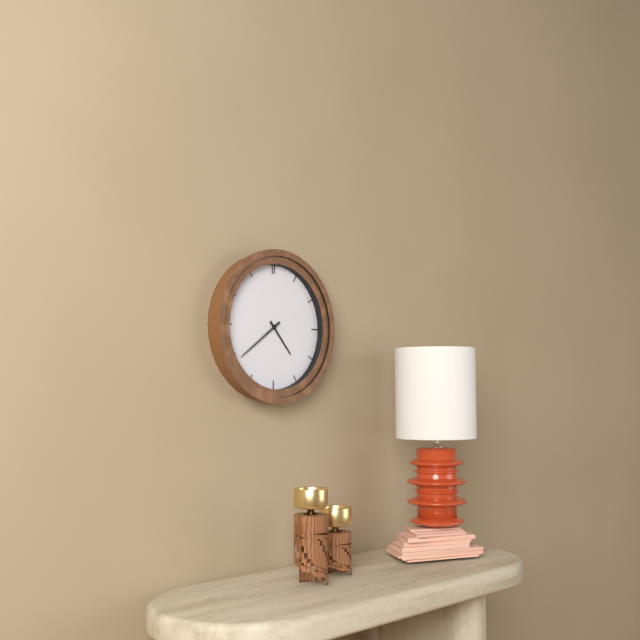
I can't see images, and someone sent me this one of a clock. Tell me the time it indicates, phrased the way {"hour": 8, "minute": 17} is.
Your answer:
{"hour": 4, "minute": 39}
